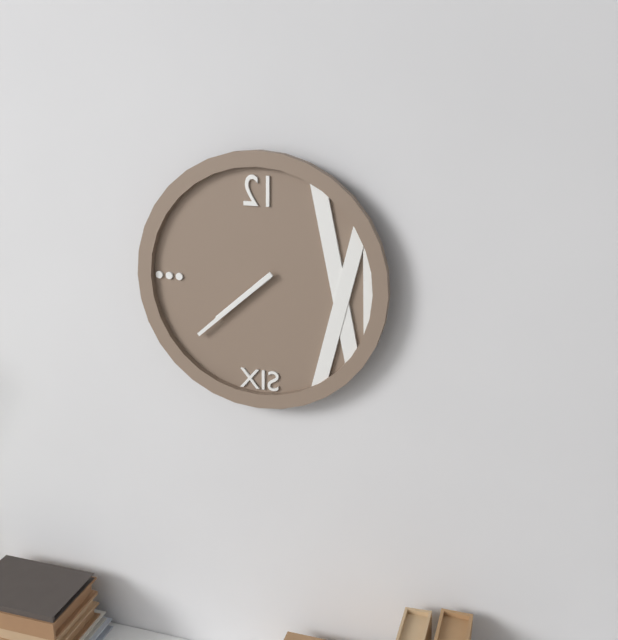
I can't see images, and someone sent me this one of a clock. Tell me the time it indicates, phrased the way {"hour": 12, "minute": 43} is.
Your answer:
{"hour": 7, "minute": 38}
